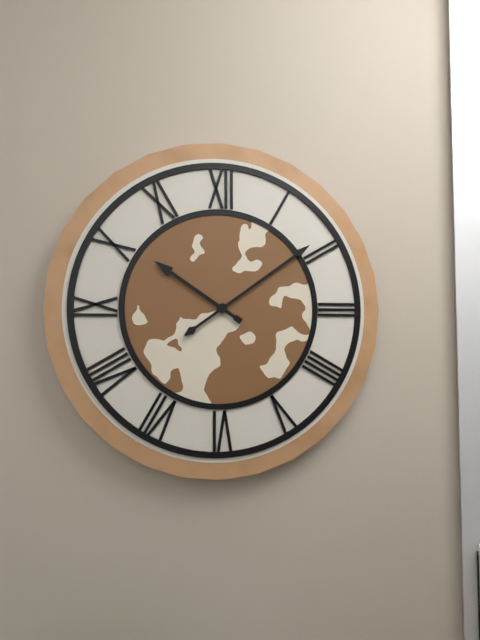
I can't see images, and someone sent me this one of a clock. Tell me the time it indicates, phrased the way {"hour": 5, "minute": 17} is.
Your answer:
{"hour": 10, "minute": 9}
